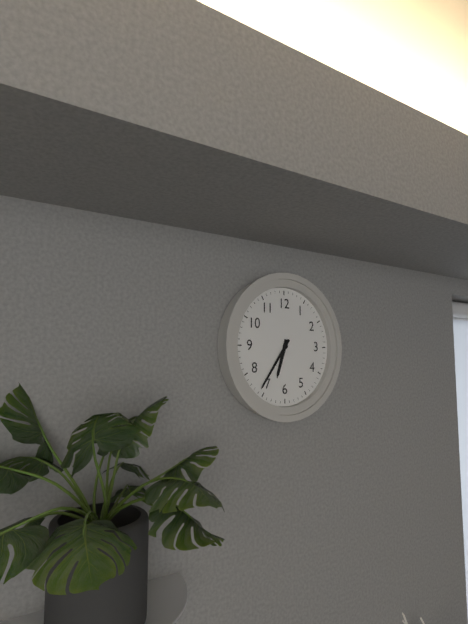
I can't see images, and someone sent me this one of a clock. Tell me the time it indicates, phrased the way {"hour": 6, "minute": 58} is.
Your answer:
{"hour": 6, "minute": 36}
